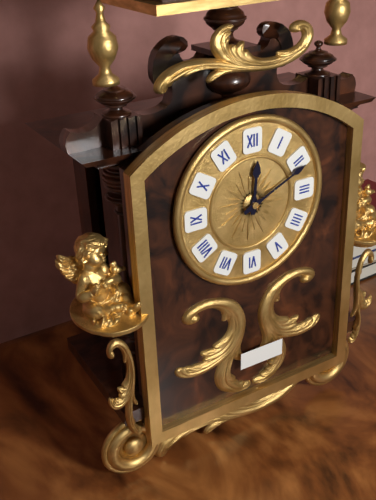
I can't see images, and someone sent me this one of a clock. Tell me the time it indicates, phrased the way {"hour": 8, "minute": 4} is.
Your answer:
{"hour": 12, "minute": 11}
